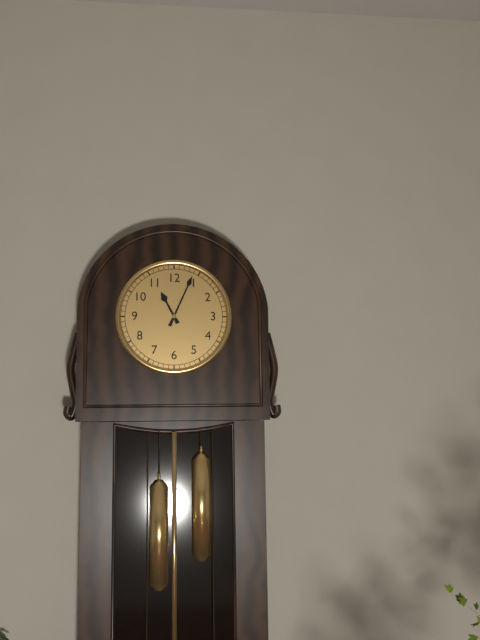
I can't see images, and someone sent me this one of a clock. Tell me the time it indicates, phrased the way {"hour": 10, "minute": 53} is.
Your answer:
{"hour": 11, "minute": 4}
